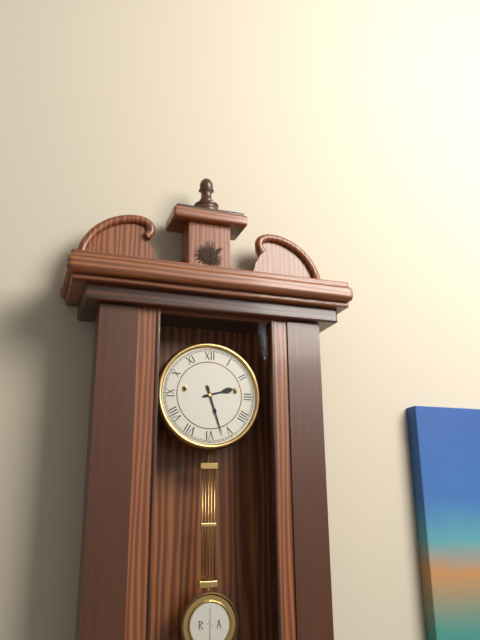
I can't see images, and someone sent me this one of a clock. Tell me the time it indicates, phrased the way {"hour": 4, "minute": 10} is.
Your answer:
{"hour": 2, "minute": 27}
